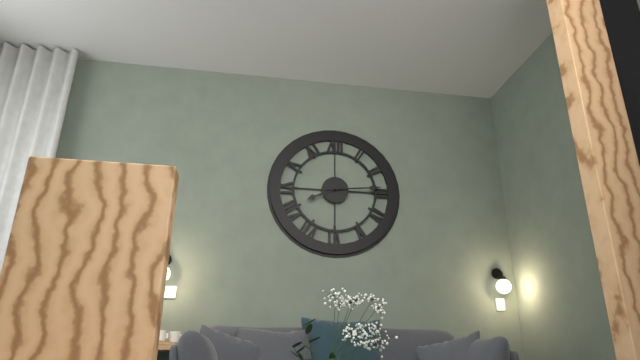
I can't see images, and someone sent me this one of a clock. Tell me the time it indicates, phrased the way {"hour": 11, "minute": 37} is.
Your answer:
{"hour": 8, "minute": 14}
